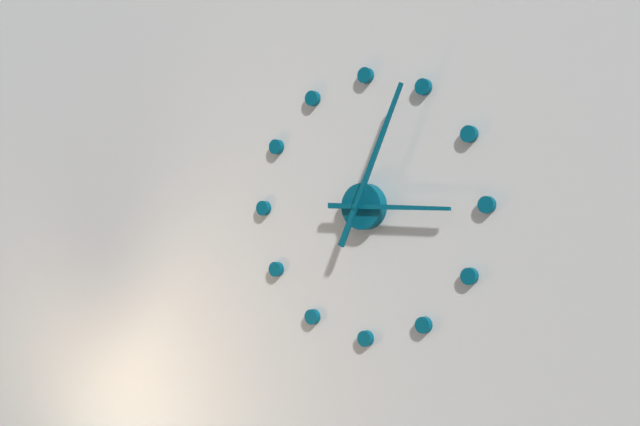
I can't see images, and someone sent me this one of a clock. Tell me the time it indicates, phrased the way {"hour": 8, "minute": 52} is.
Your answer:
{"hour": 3, "minute": 4}
